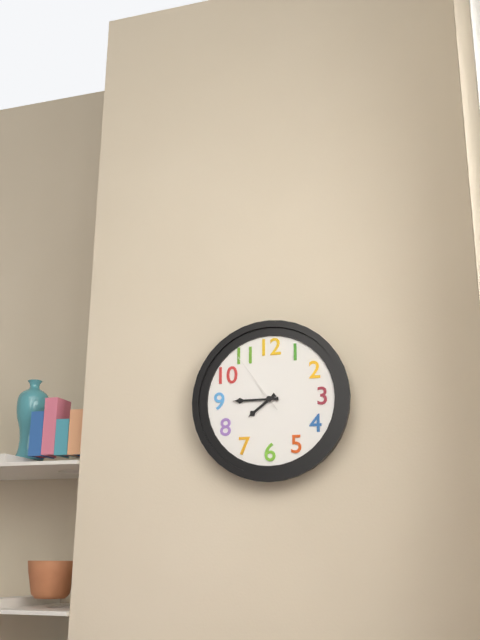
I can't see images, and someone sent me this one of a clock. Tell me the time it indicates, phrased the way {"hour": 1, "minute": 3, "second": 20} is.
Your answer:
{"hour": 7, "minute": 45, "second": 54}
